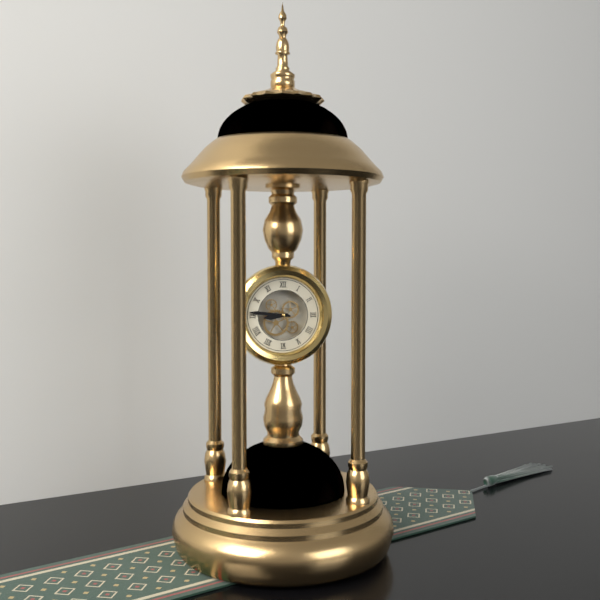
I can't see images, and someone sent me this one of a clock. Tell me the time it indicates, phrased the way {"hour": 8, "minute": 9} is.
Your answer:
{"hour": 8, "minute": 46}
